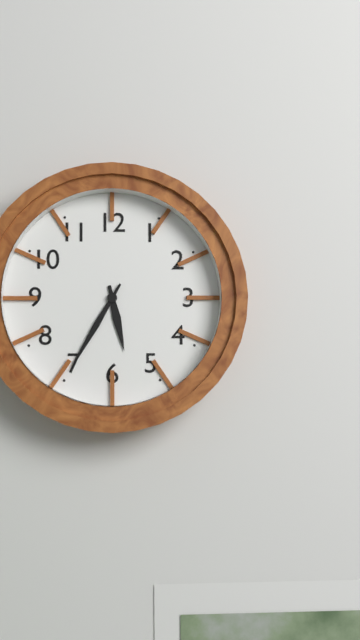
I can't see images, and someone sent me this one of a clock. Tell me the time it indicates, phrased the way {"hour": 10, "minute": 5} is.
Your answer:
{"hour": 5, "minute": 35}
